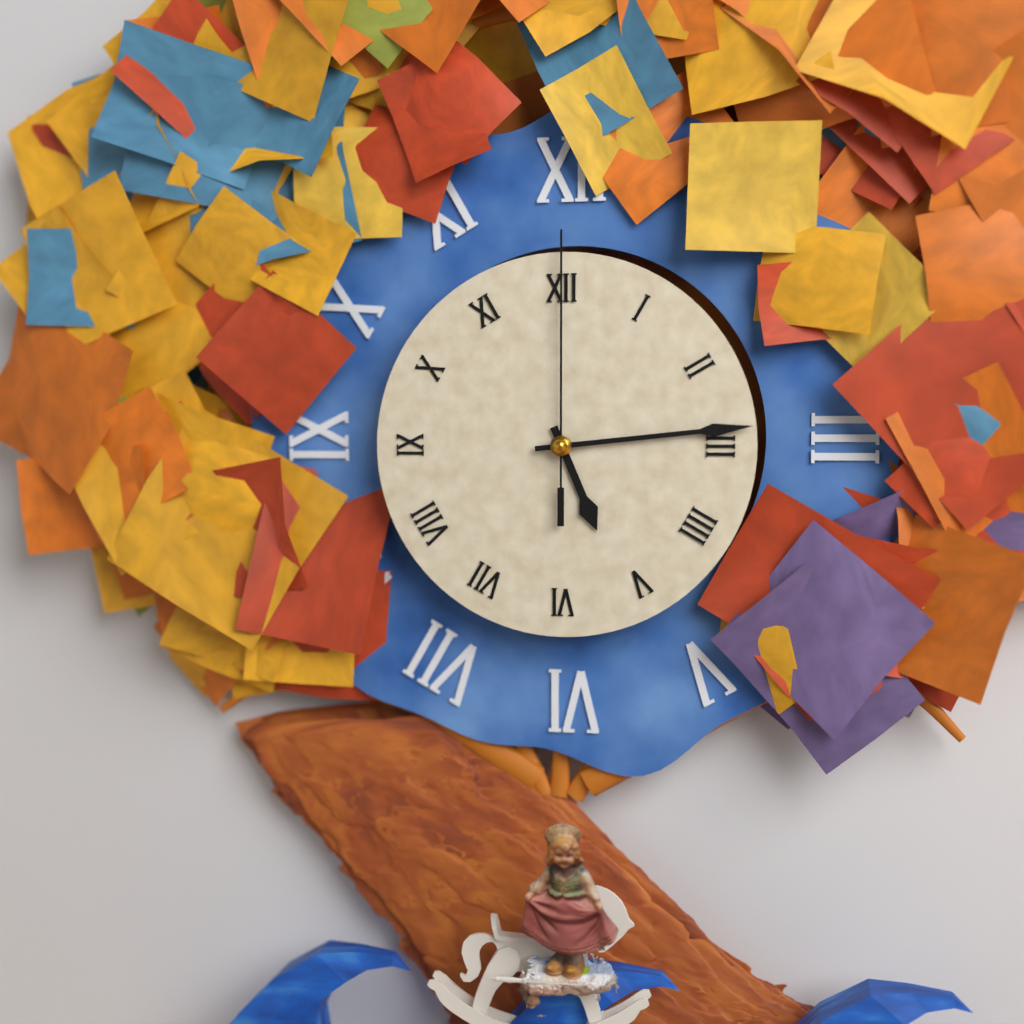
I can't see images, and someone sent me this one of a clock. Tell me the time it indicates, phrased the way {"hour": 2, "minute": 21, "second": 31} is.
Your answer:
{"hour": 5, "minute": 14, "second": 0}
